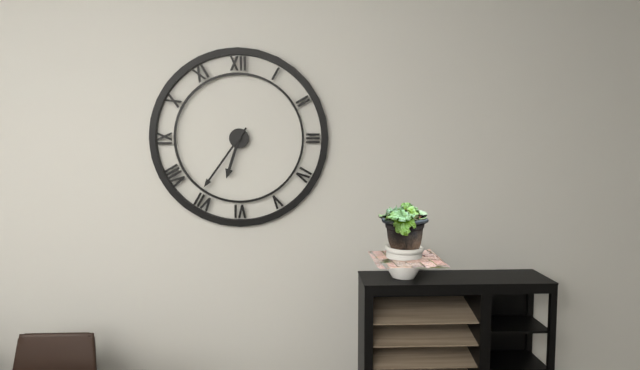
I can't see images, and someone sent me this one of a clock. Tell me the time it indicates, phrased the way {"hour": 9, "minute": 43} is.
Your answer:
{"hour": 6, "minute": 36}
